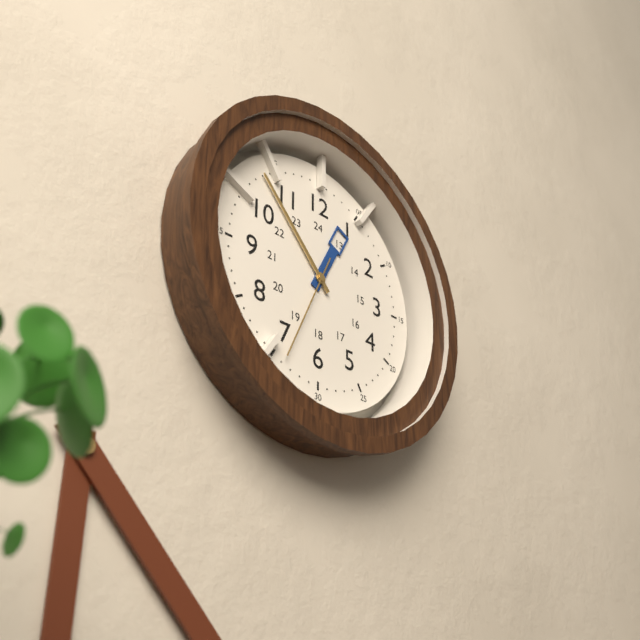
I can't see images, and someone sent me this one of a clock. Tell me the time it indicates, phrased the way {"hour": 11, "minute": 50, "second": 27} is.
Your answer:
{"hour": 12, "minute": 53, "second": 34}
